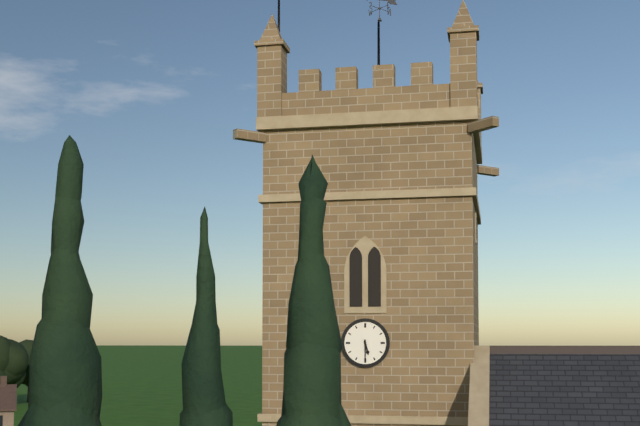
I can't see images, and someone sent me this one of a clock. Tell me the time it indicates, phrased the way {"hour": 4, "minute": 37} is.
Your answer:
{"hour": 5, "minute": 30}
